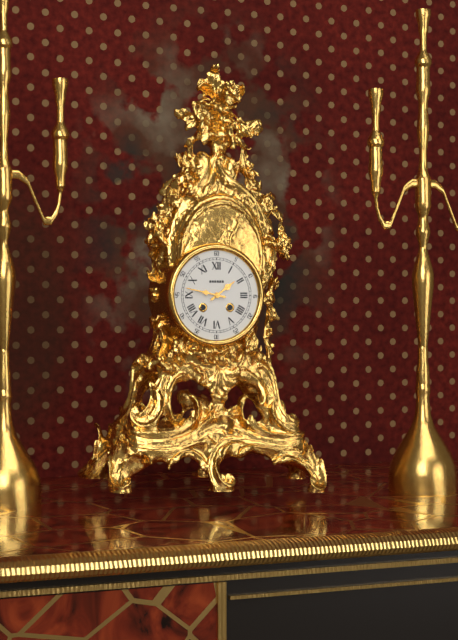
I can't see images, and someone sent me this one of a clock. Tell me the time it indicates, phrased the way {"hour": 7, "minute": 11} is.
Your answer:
{"hour": 1, "minute": 47}
